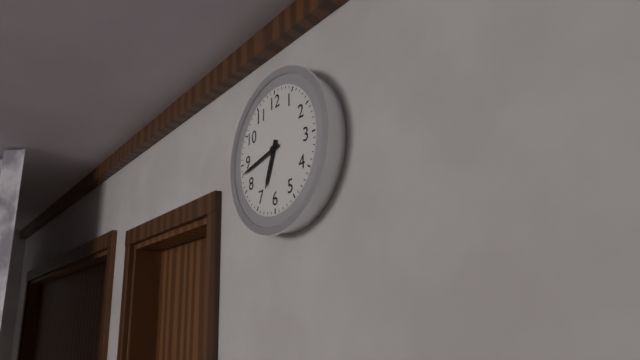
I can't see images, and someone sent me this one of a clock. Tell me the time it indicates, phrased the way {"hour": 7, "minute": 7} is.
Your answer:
{"hour": 6, "minute": 43}
